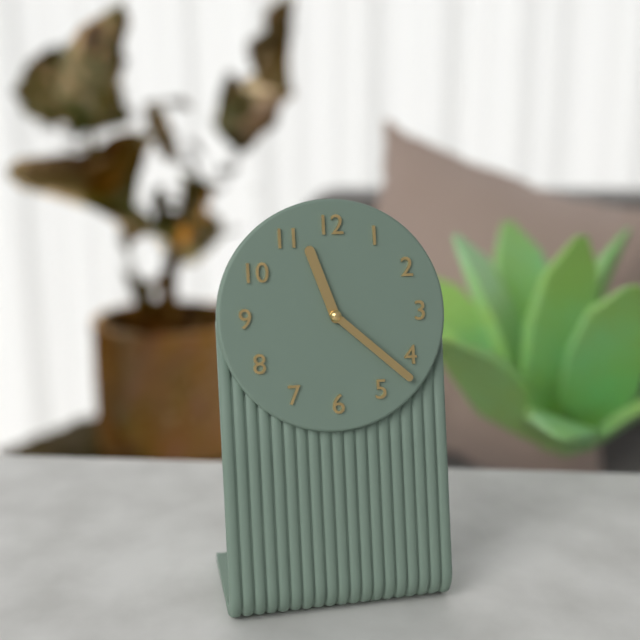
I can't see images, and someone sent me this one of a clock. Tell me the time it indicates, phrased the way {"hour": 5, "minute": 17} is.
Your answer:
{"hour": 11, "minute": 22}
